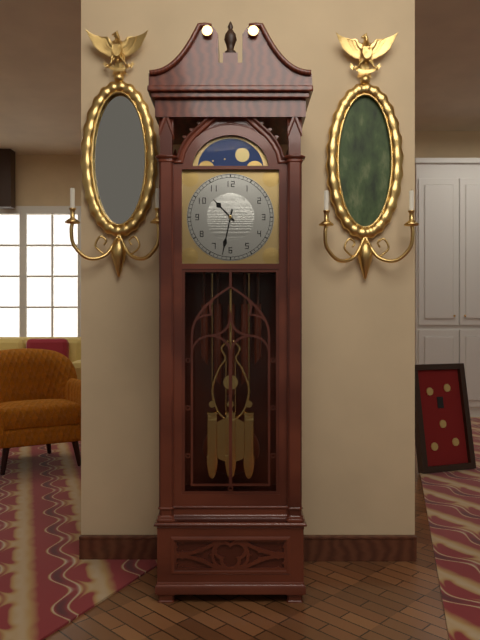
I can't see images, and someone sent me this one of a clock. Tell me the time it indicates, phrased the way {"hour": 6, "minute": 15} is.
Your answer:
{"hour": 10, "minute": 32}
